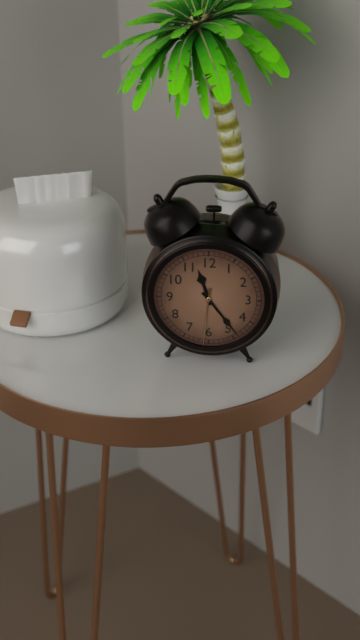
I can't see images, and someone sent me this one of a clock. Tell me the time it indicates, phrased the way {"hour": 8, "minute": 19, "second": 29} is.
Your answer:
{"hour": 11, "minute": 24, "second": 31}
